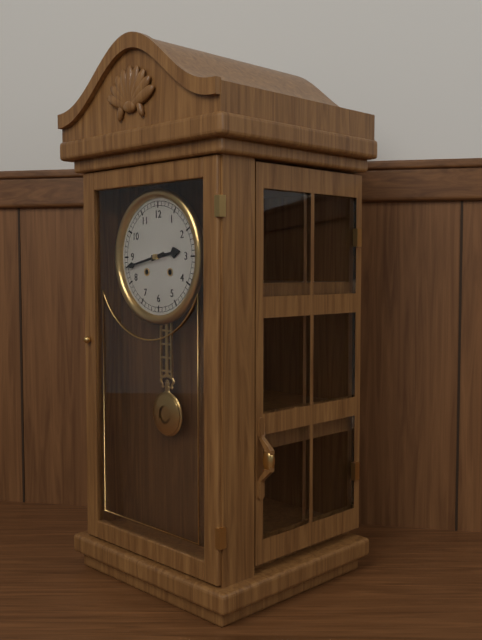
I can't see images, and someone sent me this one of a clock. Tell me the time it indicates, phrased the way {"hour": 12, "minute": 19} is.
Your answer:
{"hour": 2, "minute": 43}
